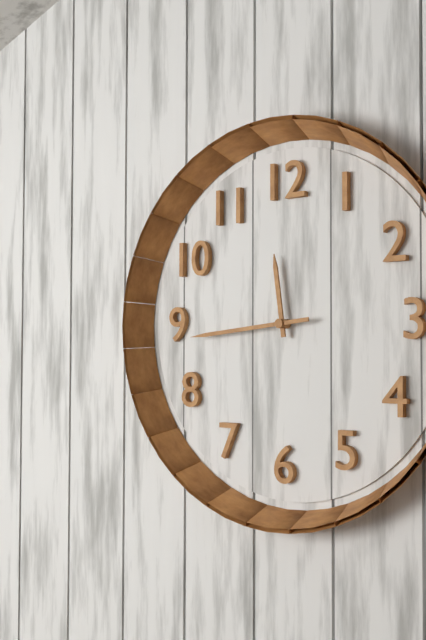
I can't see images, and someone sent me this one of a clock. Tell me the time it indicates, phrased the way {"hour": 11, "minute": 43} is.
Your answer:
{"hour": 11, "minute": 44}
